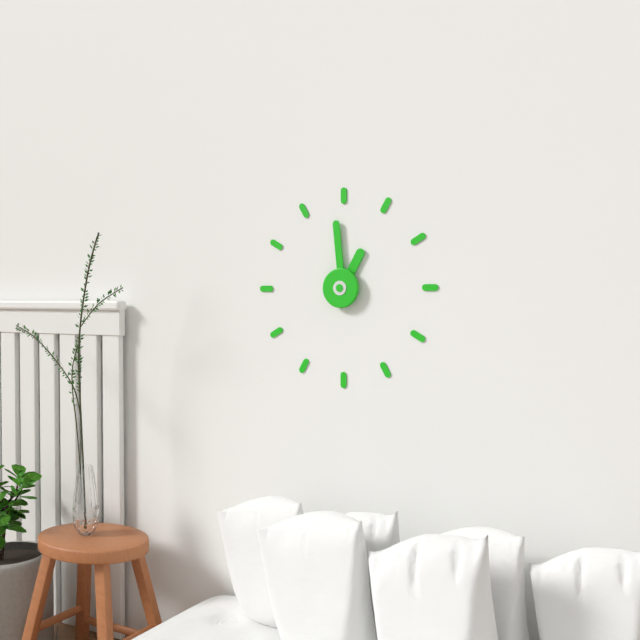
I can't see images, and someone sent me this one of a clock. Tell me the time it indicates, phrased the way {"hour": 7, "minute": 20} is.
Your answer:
{"hour": 12, "minute": 59}
